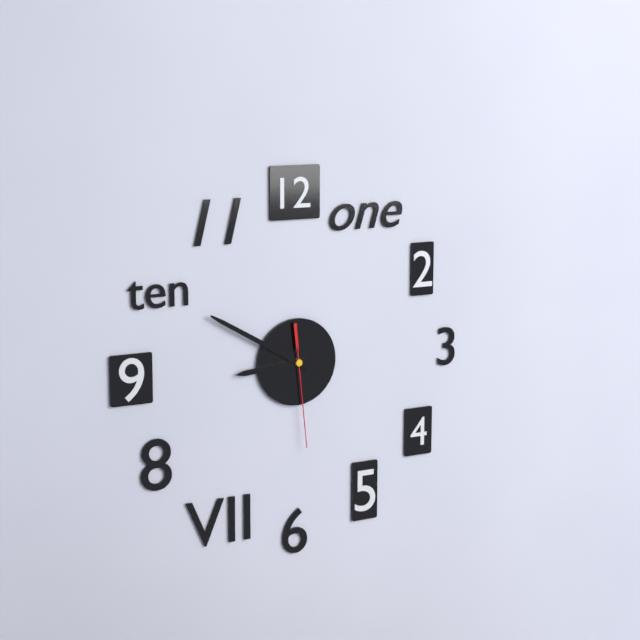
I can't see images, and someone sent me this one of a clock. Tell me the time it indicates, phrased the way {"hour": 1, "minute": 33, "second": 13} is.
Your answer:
{"hour": 8, "minute": 50, "second": 29}
